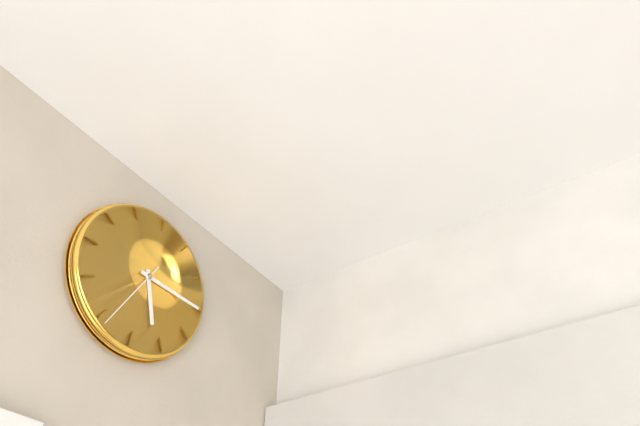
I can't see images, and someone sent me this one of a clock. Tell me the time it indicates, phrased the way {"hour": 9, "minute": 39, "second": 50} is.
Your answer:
{"hour": 5, "minute": 15, "second": 34}
